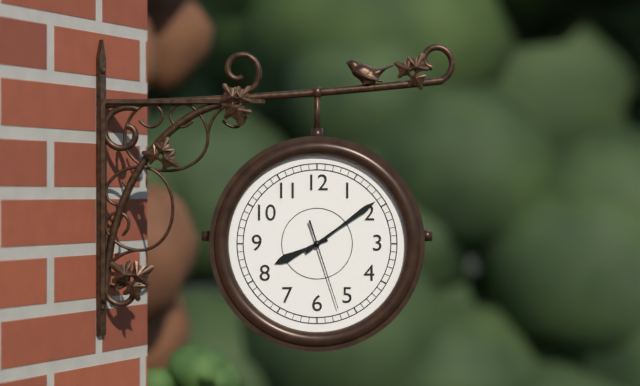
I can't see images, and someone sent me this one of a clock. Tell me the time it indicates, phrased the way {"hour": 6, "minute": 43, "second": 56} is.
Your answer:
{"hour": 8, "minute": 9, "second": 27}
